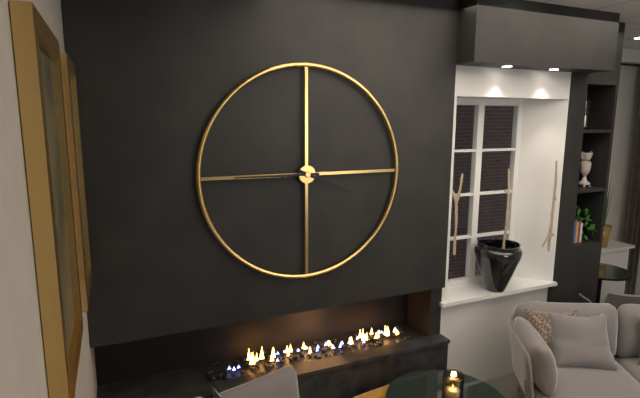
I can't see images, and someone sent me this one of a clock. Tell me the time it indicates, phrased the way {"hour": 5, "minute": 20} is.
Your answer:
{"hour": 3, "minute": 45}
